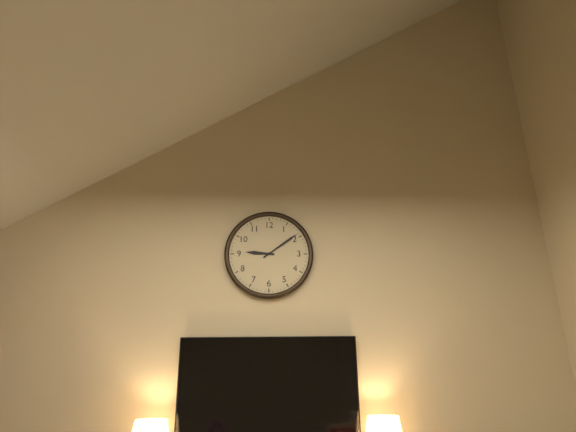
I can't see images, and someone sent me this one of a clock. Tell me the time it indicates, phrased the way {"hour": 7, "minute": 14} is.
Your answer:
{"hour": 9, "minute": 9}
